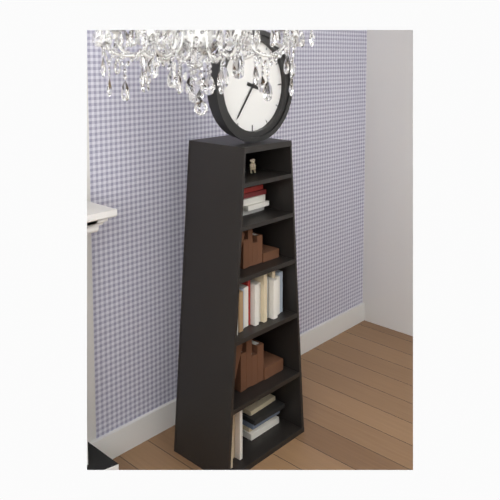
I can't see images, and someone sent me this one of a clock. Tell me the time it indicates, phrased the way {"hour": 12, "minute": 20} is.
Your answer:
{"hour": 3, "minute": 36}
